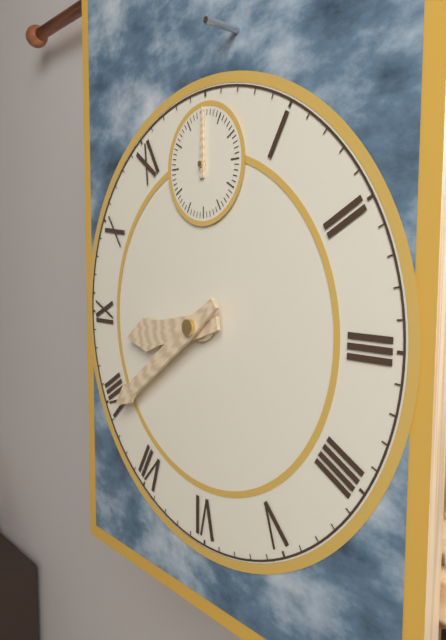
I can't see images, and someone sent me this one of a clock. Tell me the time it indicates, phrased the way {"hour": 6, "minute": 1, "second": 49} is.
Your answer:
{"hour": 8, "minute": 39, "second": 0}
